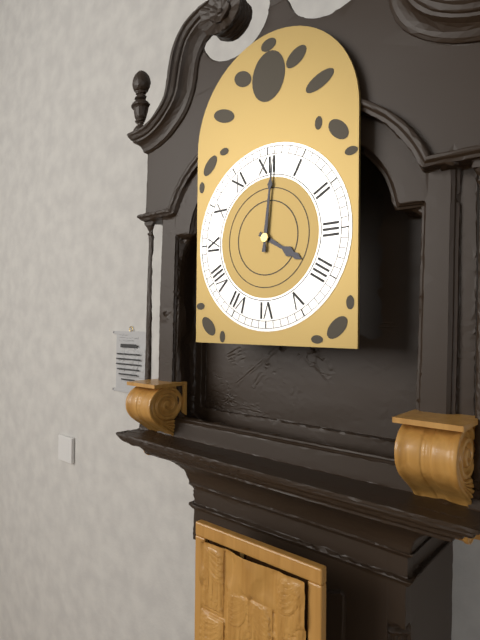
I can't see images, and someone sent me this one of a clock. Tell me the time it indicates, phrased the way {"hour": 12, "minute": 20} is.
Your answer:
{"hour": 4, "minute": 1}
